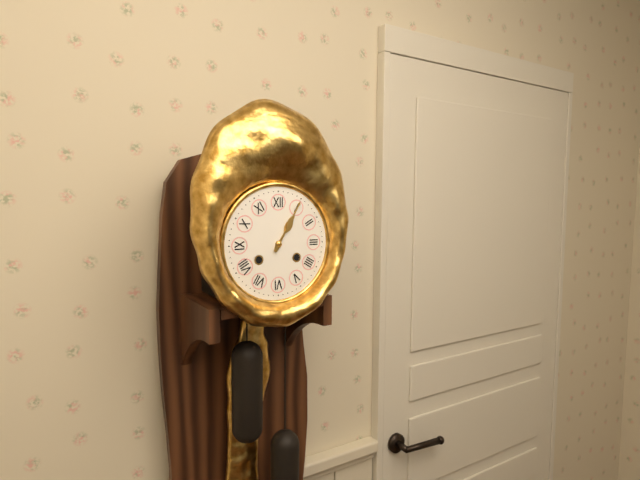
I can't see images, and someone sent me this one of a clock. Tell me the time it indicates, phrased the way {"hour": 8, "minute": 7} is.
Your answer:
{"hour": 1, "minute": 5}
